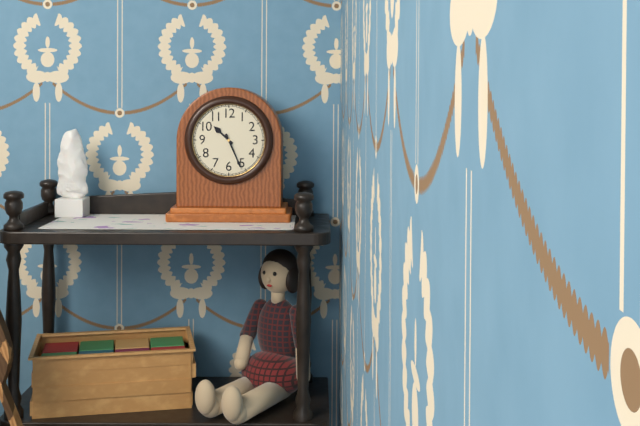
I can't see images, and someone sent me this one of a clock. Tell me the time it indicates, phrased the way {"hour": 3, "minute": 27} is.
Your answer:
{"hour": 10, "minute": 26}
